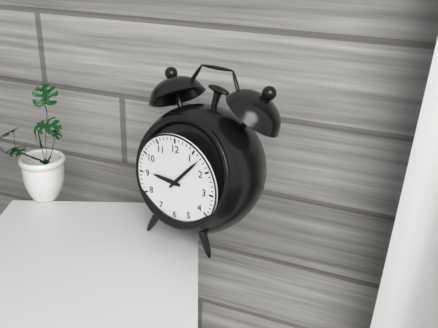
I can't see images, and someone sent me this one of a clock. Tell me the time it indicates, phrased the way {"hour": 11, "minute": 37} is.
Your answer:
{"hour": 9, "minute": 7}
